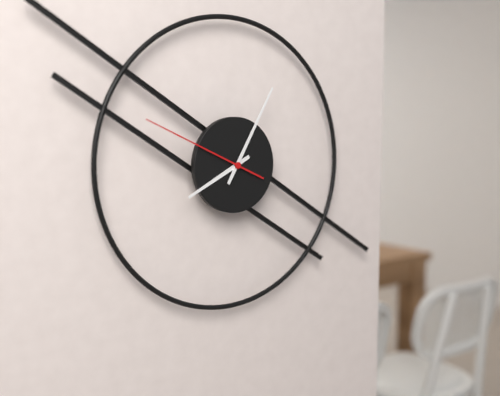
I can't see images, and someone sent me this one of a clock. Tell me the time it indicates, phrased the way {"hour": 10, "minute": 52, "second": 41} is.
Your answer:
{"hour": 8, "minute": 5, "second": 49}
